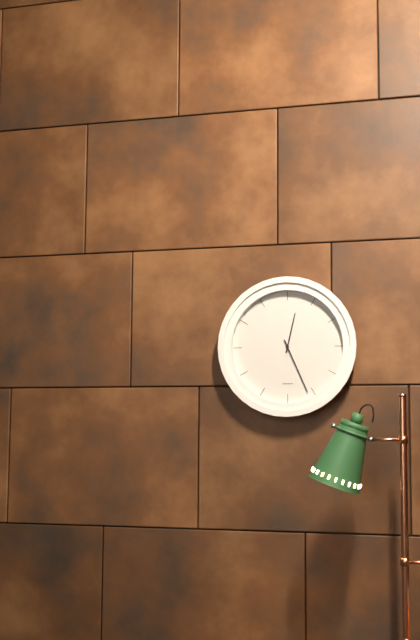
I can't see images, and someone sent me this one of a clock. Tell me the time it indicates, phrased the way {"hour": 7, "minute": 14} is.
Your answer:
{"hour": 12, "minute": 26}
